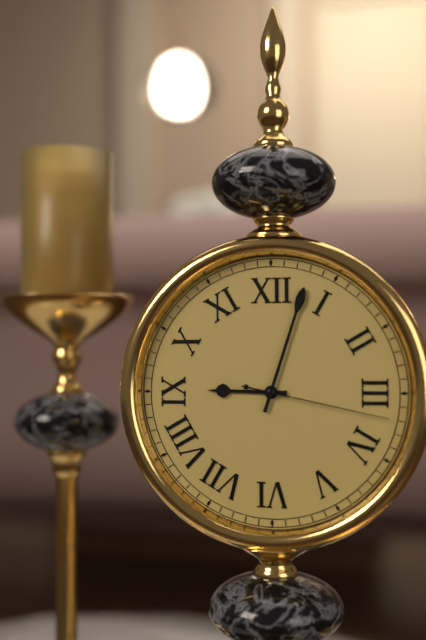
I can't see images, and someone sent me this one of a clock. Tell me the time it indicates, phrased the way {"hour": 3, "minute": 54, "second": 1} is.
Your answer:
{"hour": 9, "minute": 3, "second": 17}
